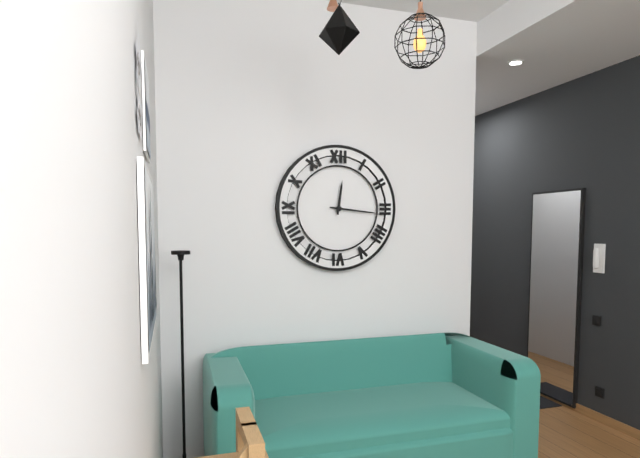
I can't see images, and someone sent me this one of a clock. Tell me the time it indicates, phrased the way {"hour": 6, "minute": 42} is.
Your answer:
{"hour": 12, "minute": 16}
